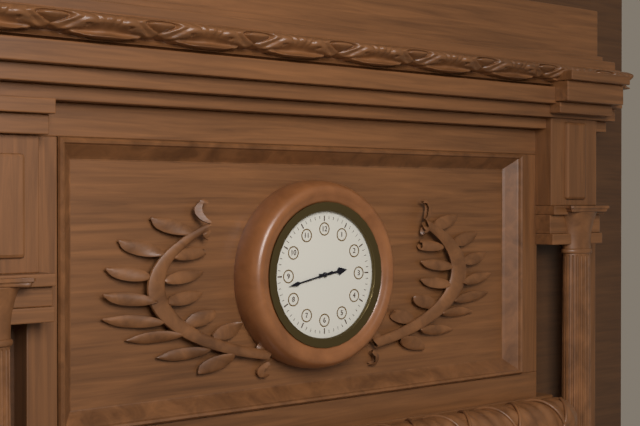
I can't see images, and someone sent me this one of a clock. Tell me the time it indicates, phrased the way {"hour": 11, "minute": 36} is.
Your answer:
{"hour": 2, "minute": 43}
